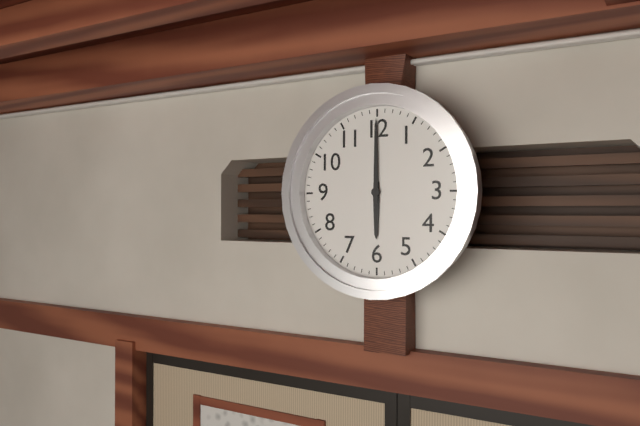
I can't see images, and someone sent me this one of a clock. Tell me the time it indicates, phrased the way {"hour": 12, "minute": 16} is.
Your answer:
{"hour": 6, "minute": 0}
